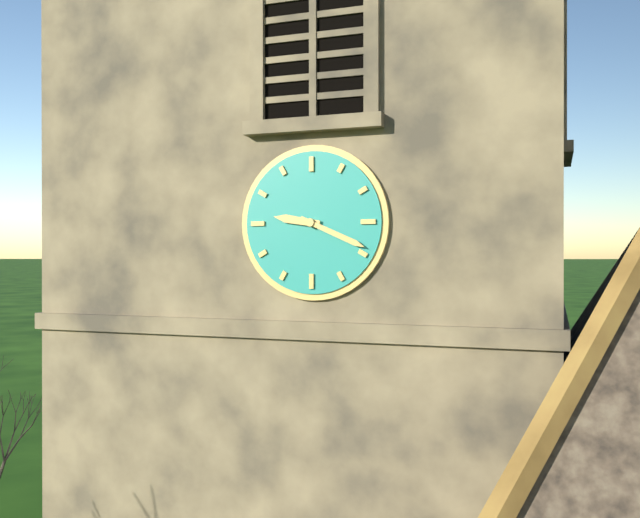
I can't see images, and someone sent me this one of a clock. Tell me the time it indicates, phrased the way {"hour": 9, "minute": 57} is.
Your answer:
{"hour": 9, "minute": 19}
